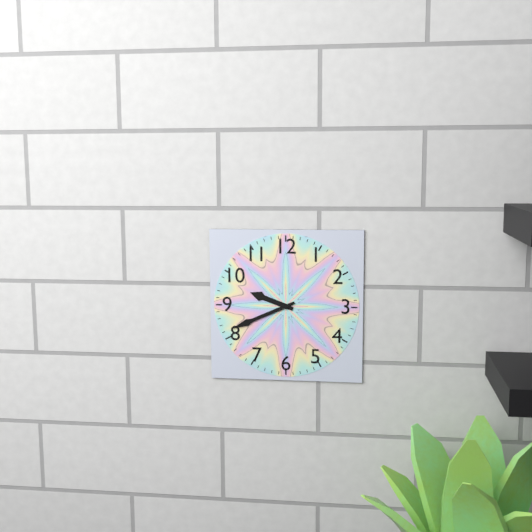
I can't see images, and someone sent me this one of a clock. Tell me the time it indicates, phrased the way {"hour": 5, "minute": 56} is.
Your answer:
{"hour": 9, "minute": 41}
